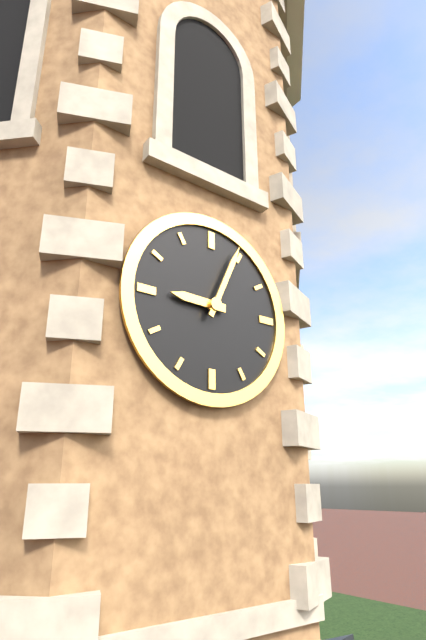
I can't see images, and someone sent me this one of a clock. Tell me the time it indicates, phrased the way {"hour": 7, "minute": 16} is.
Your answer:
{"hour": 9, "minute": 4}
